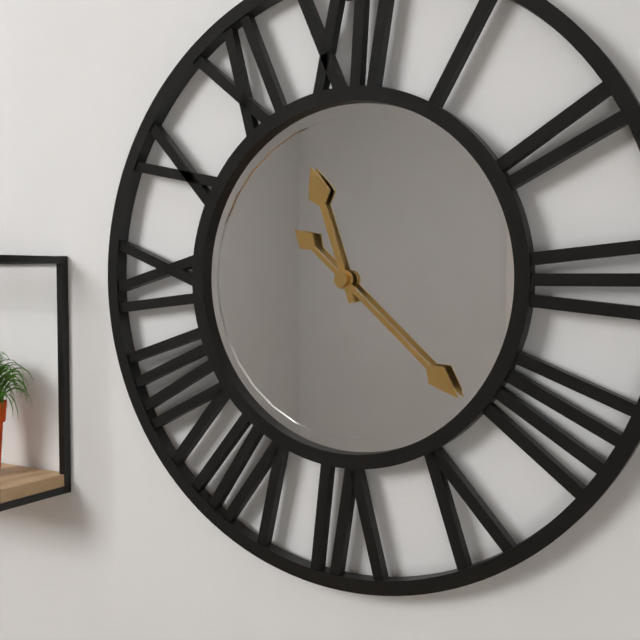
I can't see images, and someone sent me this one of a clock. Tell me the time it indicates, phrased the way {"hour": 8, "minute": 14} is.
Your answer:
{"hour": 11, "minute": 22}
